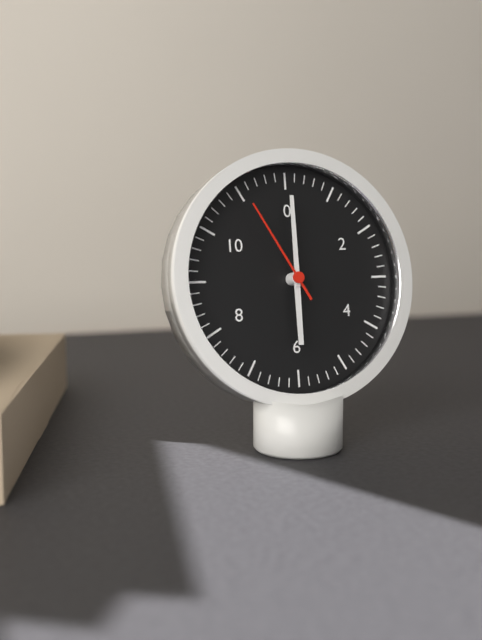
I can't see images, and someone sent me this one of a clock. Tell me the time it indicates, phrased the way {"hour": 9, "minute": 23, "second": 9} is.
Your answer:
{"hour": 6, "minute": 0, "second": 55}
